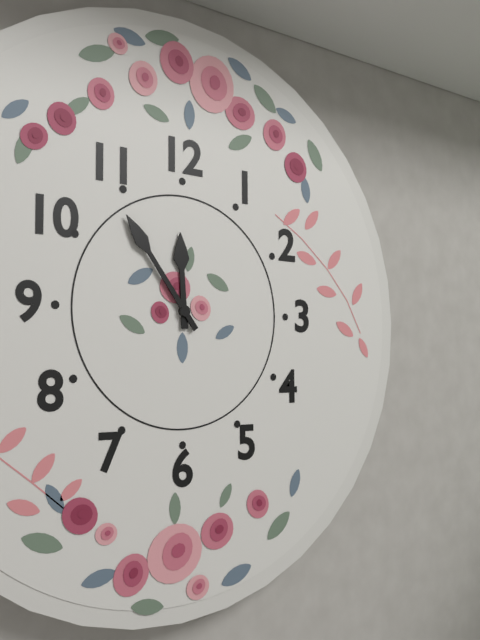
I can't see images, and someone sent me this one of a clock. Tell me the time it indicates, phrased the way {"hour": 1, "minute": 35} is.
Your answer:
{"hour": 11, "minute": 54}
